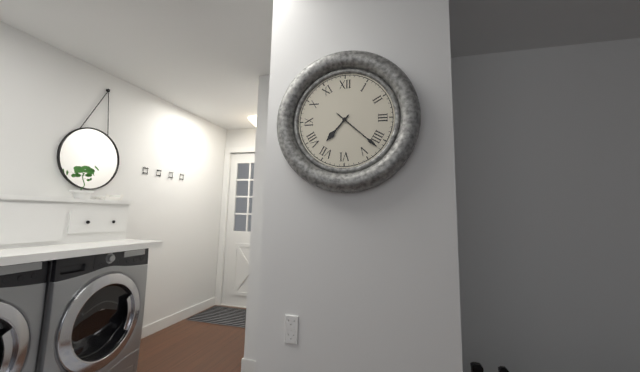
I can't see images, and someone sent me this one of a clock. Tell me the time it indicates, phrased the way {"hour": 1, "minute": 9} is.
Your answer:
{"hour": 7, "minute": 22}
